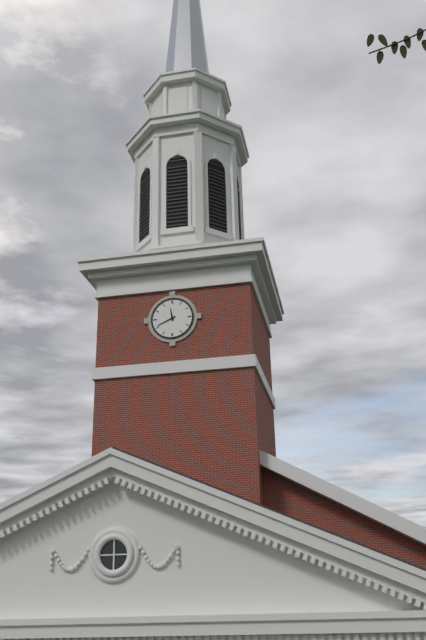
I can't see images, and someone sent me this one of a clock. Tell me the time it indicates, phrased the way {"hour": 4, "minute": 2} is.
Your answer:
{"hour": 11, "minute": 41}
